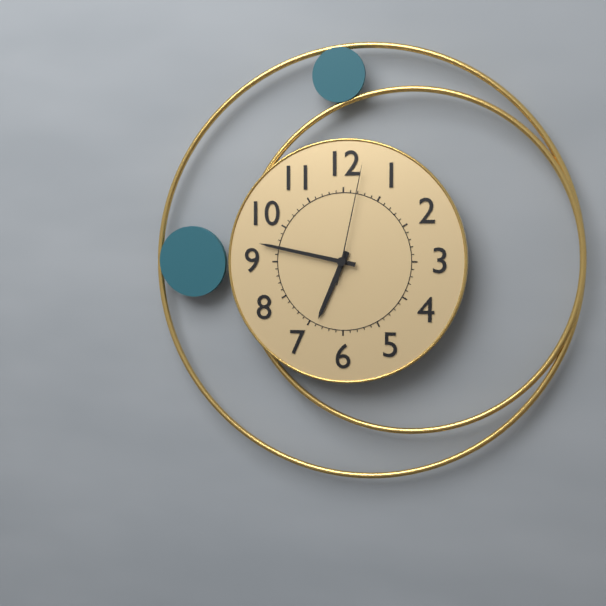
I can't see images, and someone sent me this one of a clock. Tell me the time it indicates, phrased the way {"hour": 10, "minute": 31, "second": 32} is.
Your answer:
{"hour": 6, "minute": 47, "second": 2}
